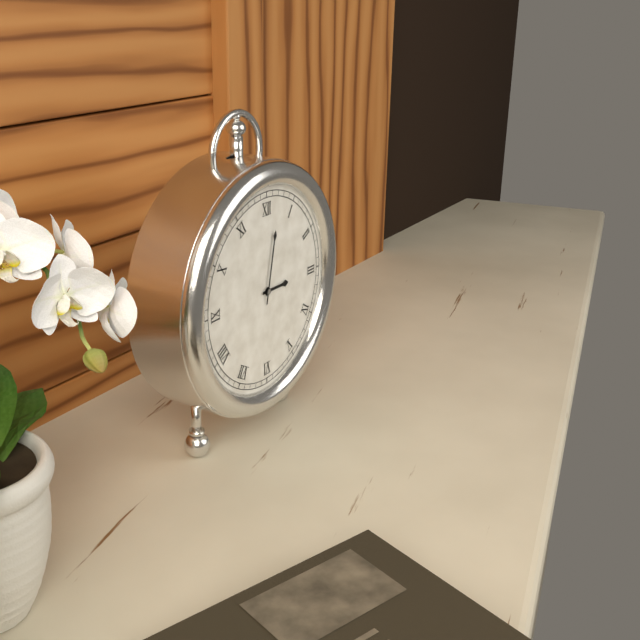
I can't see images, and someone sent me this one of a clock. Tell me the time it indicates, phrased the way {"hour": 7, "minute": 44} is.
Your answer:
{"hour": 3, "minute": 2}
